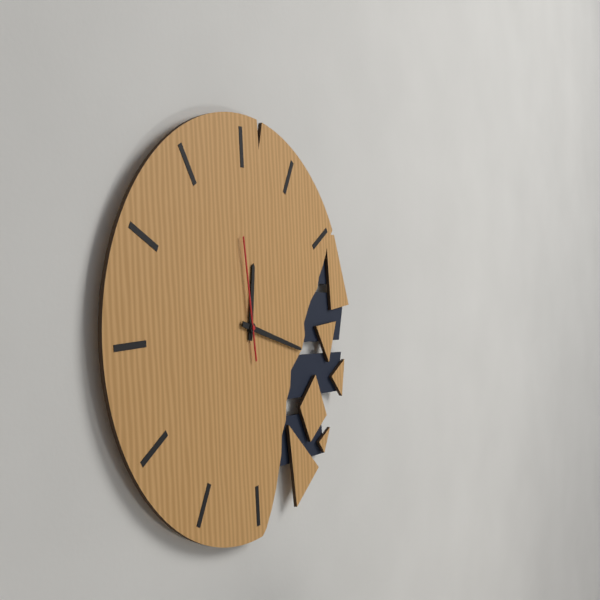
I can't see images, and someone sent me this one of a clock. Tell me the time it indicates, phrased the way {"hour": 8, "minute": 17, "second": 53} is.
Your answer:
{"hour": 12, "minute": 18, "second": 59}
